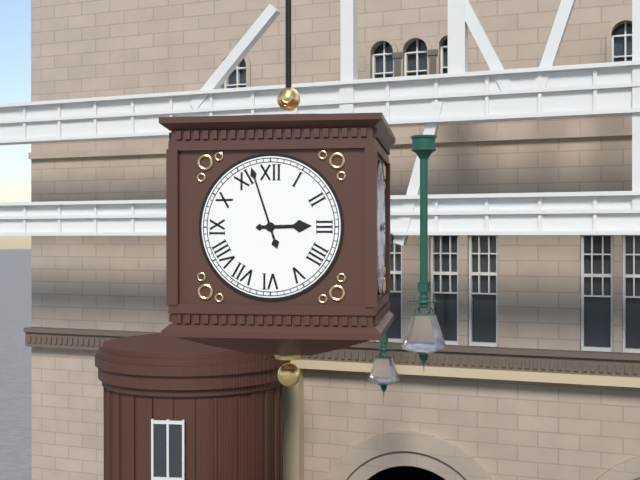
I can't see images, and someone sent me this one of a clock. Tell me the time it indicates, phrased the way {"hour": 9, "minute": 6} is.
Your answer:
{"hour": 2, "minute": 57}
